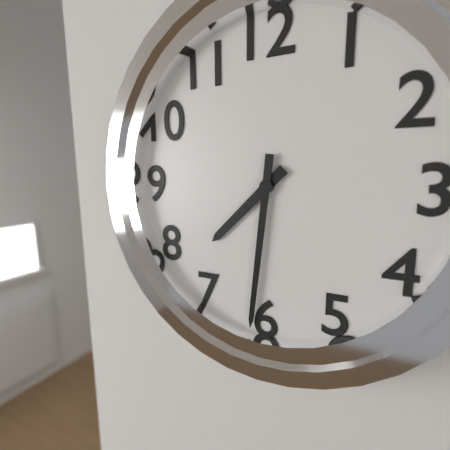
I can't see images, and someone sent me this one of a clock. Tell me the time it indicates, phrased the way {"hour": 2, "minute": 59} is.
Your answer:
{"hour": 7, "minute": 31}
